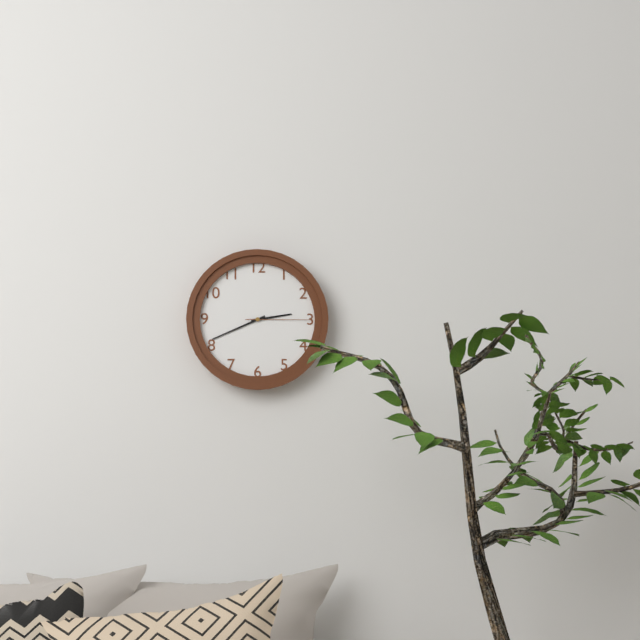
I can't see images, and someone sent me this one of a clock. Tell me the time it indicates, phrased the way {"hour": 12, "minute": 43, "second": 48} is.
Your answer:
{"hour": 2, "minute": 41, "second": 15}
